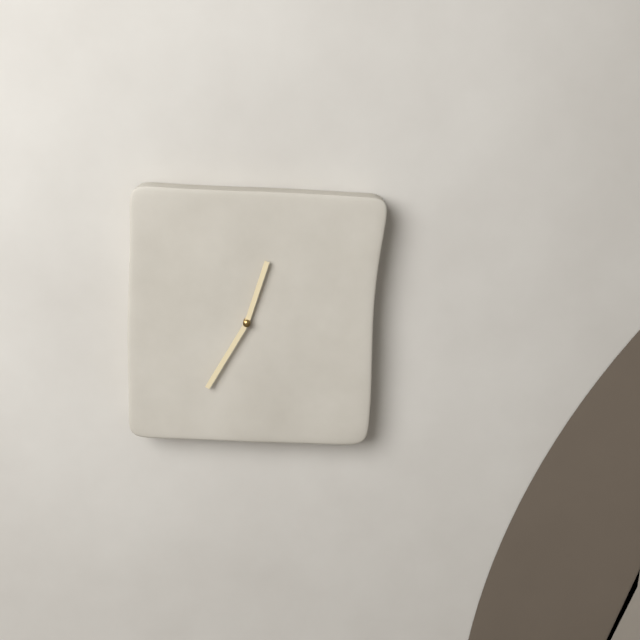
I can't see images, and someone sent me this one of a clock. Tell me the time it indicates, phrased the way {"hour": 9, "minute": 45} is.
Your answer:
{"hour": 12, "minute": 35}
